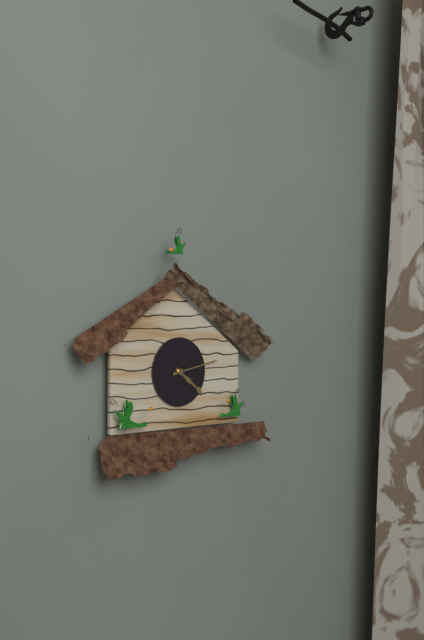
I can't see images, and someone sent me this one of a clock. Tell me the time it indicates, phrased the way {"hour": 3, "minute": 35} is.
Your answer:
{"hour": 4, "minute": 13}
